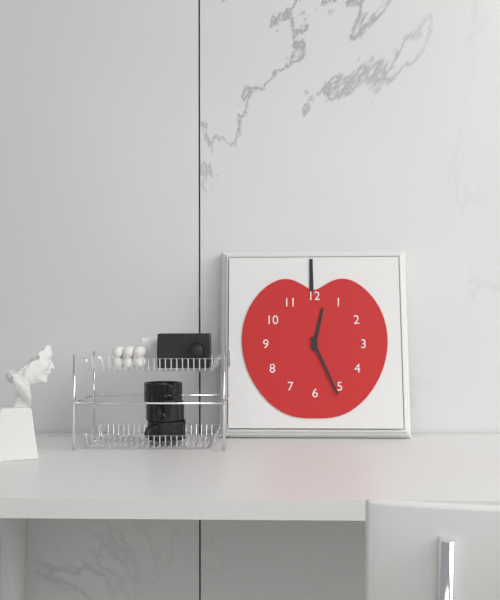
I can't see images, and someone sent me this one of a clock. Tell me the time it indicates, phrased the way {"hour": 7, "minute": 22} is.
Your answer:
{"hour": 12, "minute": 26}
